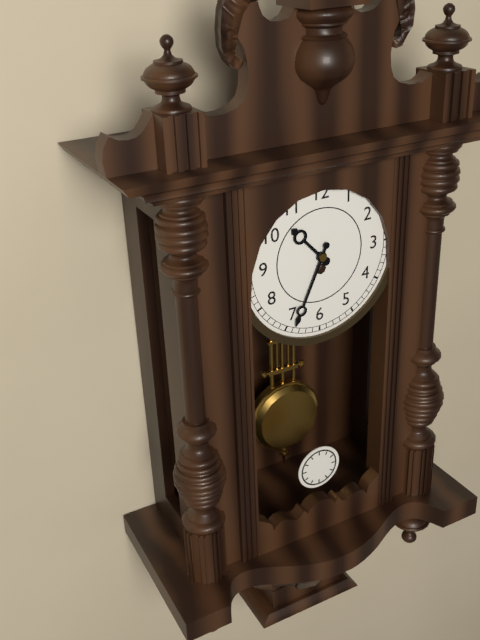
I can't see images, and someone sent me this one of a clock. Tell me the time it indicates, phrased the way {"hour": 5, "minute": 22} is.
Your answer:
{"hour": 10, "minute": 34}
